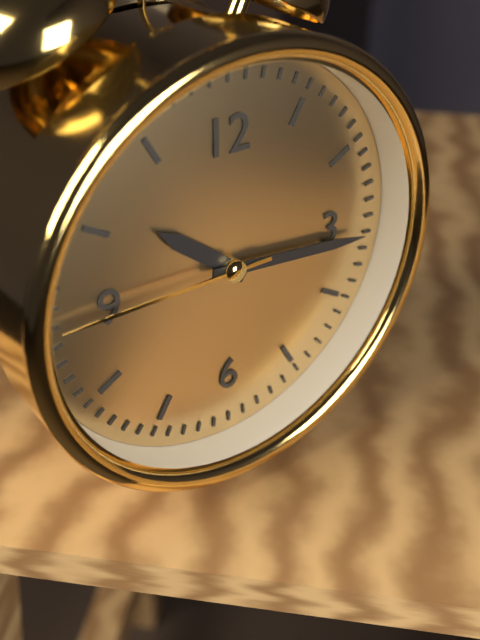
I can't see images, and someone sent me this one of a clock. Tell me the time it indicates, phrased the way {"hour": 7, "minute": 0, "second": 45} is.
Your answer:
{"hour": 10, "minute": 16, "second": 45}
